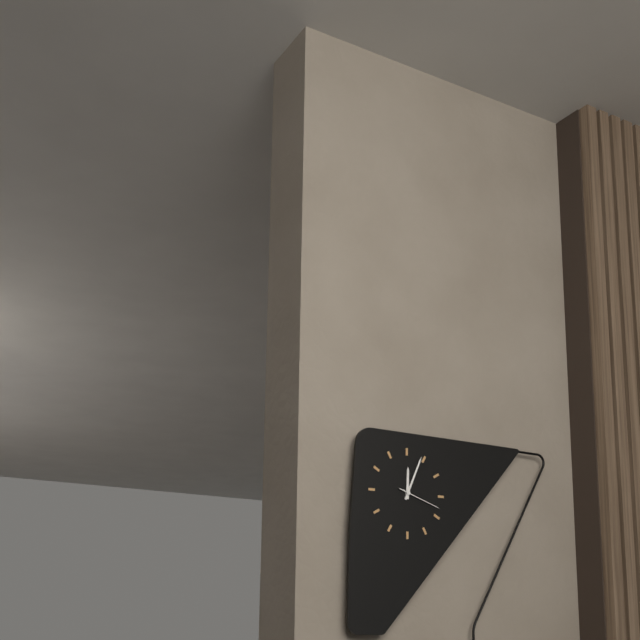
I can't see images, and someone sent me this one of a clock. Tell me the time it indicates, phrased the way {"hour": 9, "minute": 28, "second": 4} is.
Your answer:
{"hour": 12, "minute": 4, "second": 18}
